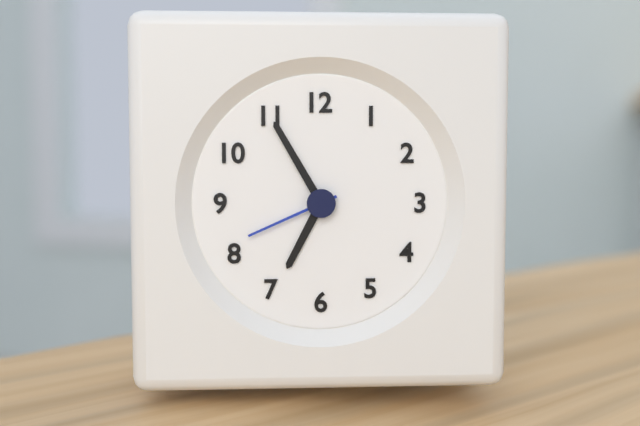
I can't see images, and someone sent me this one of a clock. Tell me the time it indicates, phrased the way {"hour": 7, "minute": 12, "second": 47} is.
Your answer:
{"hour": 6, "minute": 55, "second": 41}
